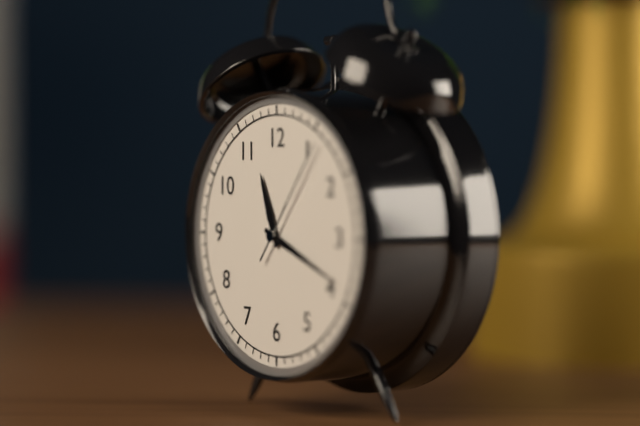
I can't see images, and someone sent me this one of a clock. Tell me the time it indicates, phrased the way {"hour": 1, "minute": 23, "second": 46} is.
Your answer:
{"hour": 11, "minute": 19, "second": 6}
